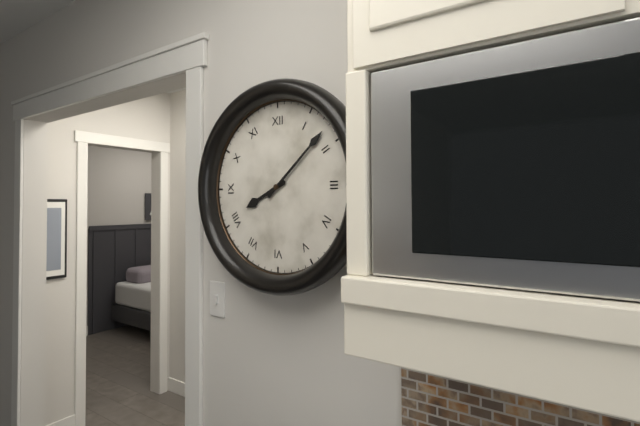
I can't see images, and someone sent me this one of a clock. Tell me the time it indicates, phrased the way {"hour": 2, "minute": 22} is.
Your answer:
{"hour": 8, "minute": 8}
